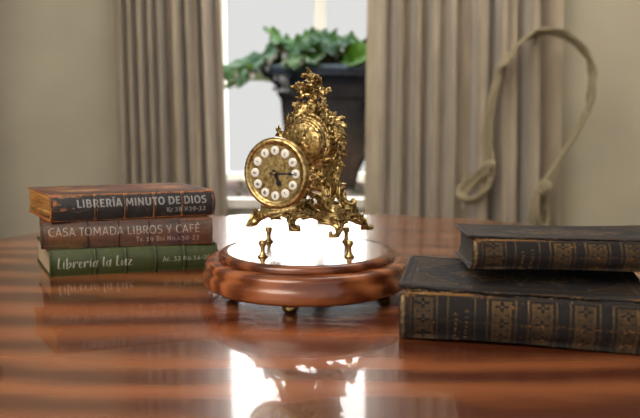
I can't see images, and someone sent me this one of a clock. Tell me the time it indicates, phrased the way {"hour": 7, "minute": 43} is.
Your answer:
{"hour": 5, "minute": 15}
